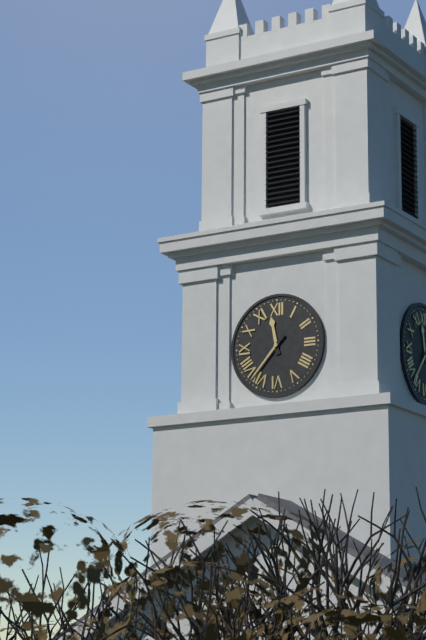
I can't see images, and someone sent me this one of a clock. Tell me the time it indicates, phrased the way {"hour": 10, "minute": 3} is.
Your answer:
{"hour": 11, "minute": 37}
